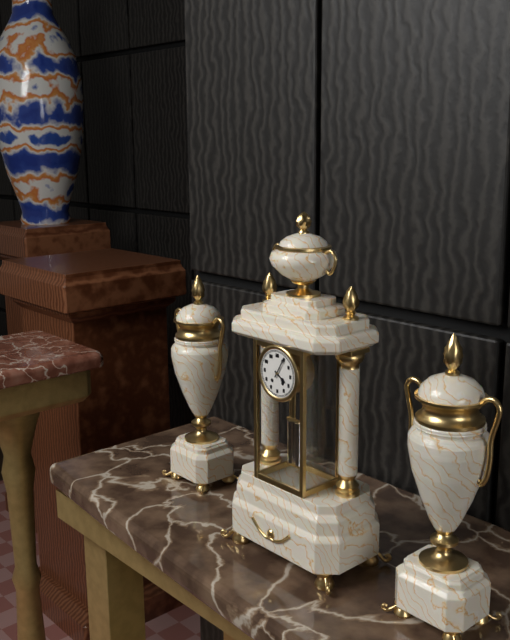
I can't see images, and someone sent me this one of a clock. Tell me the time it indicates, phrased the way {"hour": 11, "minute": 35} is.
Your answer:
{"hour": 4, "minute": 5}
